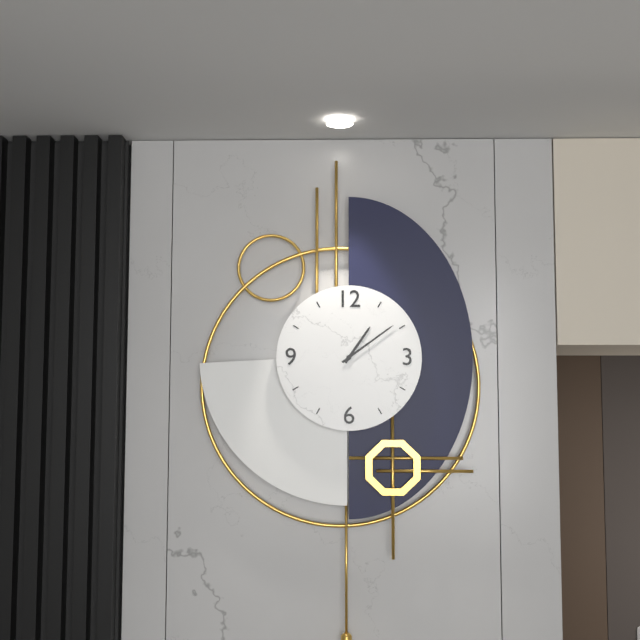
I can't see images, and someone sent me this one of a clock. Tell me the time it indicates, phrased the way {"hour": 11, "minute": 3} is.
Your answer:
{"hour": 1, "minute": 9}
